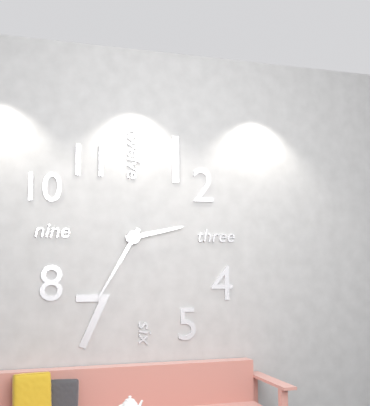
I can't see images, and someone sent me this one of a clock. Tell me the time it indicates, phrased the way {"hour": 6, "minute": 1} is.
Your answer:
{"hour": 2, "minute": 35}
